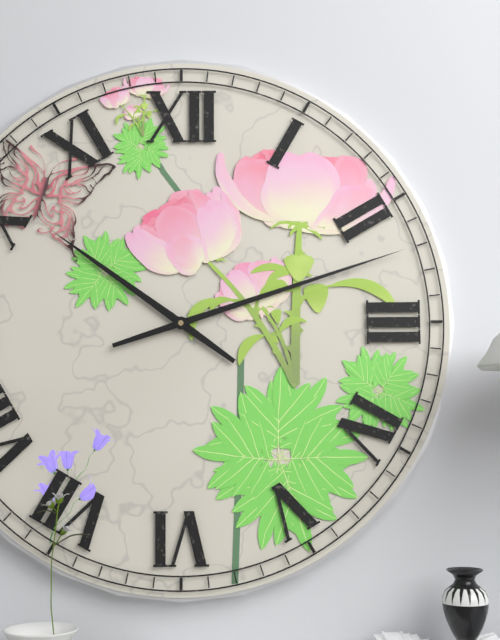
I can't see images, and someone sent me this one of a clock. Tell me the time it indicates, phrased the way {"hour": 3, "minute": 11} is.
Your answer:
{"hour": 10, "minute": 12}
